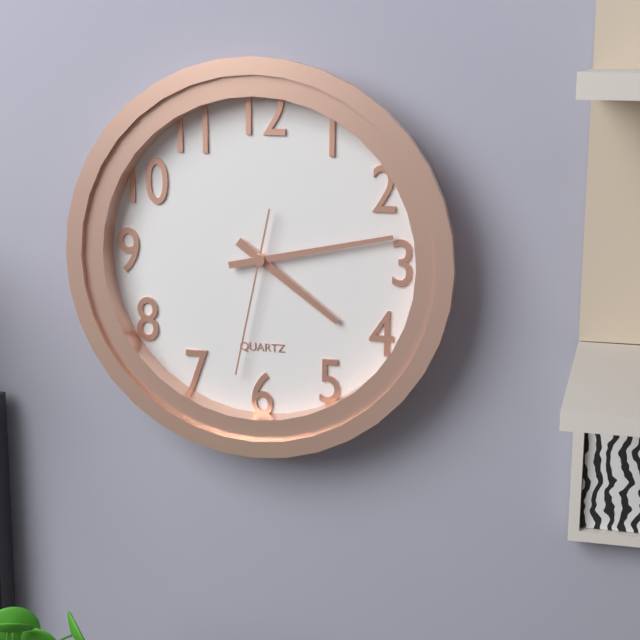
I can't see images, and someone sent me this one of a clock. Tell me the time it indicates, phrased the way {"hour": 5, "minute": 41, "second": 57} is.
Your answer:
{"hour": 4, "minute": 13, "second": 32}
